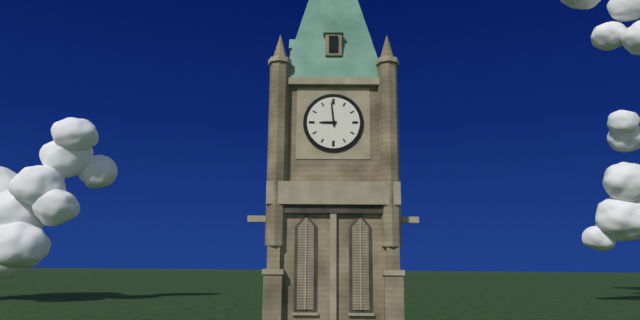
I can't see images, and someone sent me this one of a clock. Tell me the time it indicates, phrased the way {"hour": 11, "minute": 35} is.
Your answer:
{"hour": 8, "minute": 59}
